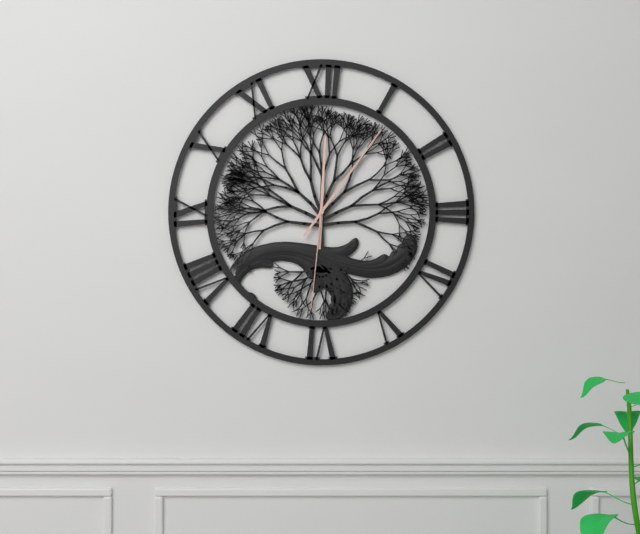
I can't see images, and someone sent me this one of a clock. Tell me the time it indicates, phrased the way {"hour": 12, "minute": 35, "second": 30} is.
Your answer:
{"hour": 12, "minute": 6, "second": 31}
